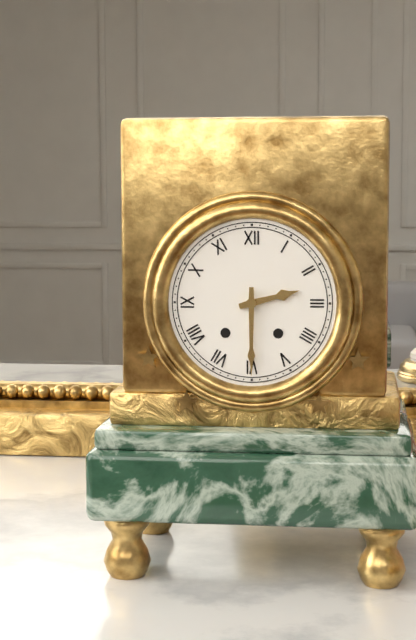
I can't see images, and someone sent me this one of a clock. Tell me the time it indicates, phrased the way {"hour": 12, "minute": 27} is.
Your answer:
{"hour": 2, "minute": 30}
